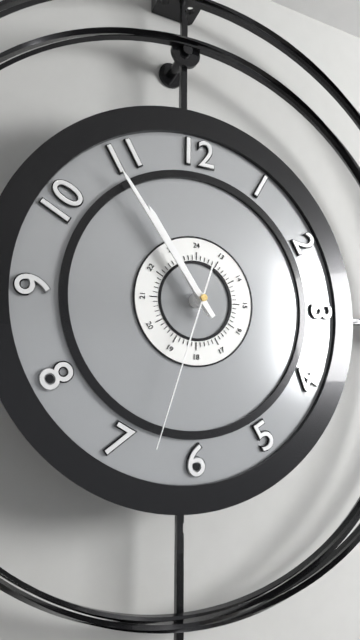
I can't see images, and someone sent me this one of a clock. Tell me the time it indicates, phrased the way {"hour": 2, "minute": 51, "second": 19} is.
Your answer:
{"hour": 10, "minute": 54, "second": 33}
